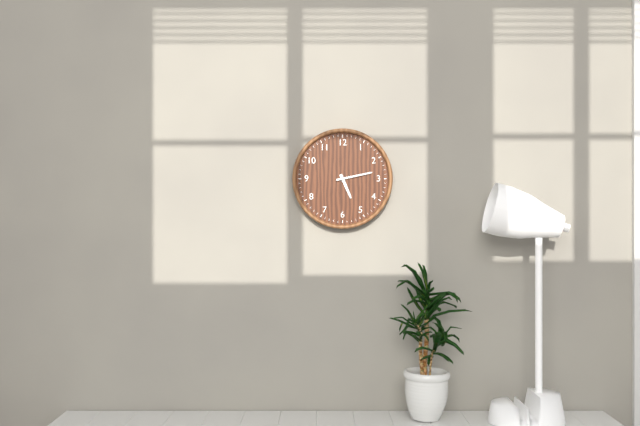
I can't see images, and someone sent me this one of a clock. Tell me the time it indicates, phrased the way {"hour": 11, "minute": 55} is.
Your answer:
{"hour": 5, "minute": 13}
